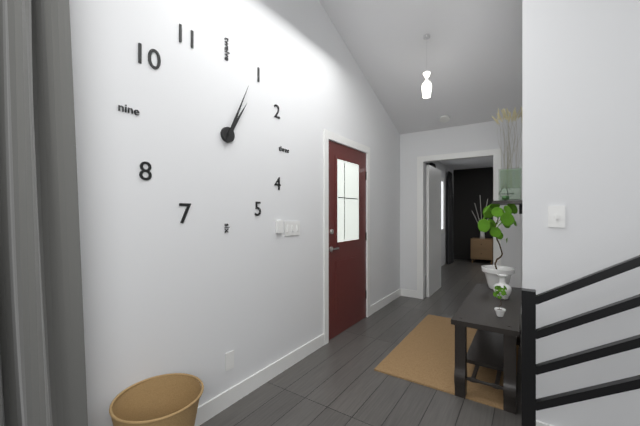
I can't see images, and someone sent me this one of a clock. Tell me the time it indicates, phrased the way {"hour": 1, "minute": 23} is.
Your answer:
{"hour": 1, "minute": 4}
